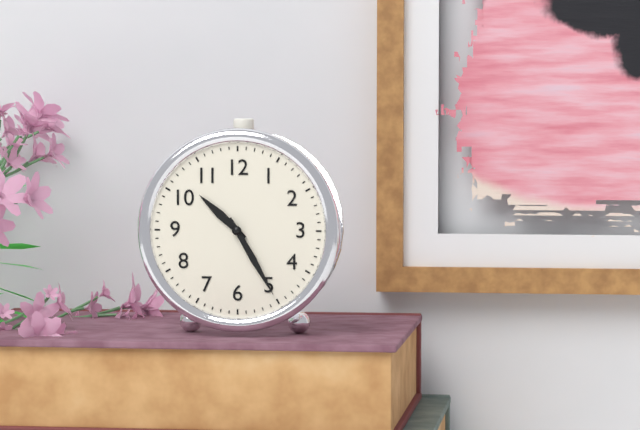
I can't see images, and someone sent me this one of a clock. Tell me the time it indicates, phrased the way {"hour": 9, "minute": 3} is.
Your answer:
{"hour": 10, "minute": 25}
